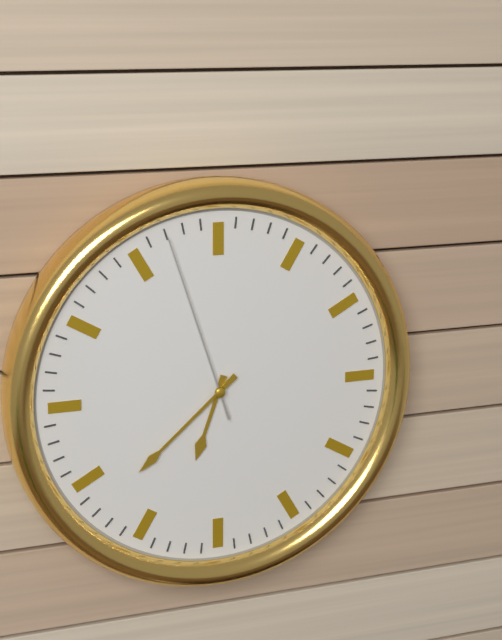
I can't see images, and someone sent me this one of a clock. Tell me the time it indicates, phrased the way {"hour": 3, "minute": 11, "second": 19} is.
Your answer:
{"hour": 6, "minute": 38, "second": 57}
